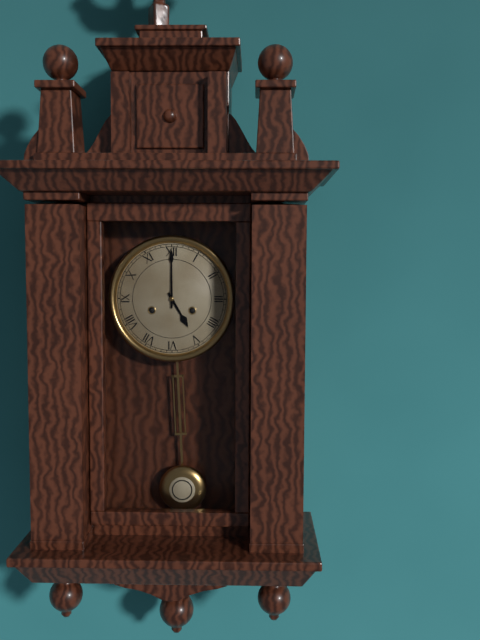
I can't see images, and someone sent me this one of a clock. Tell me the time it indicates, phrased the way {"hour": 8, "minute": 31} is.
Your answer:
{"hour": 5, "minute": 0}
